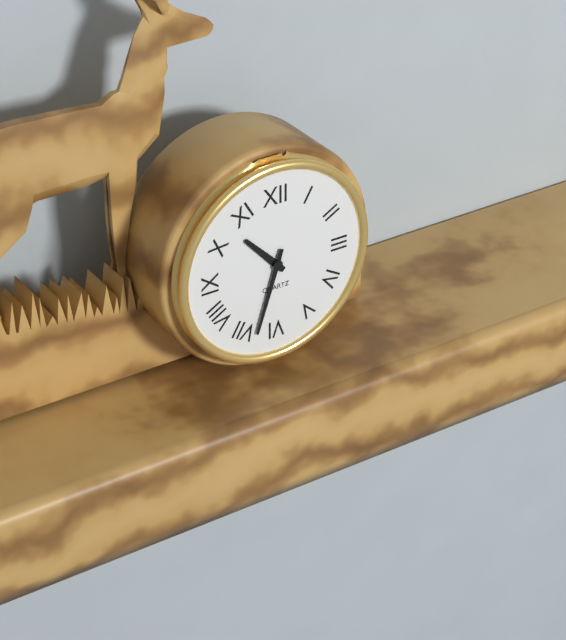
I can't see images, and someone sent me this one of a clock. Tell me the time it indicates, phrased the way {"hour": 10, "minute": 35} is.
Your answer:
{"hour": 10, "minute": 33}
